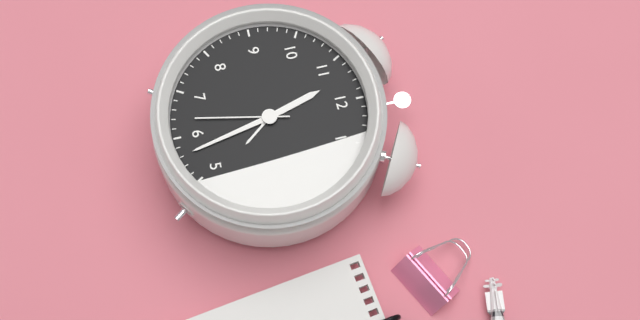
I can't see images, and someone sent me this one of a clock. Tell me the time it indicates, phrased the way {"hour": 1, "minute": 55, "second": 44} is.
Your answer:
{"hour": 11, "minute": 28, "second": 32}
